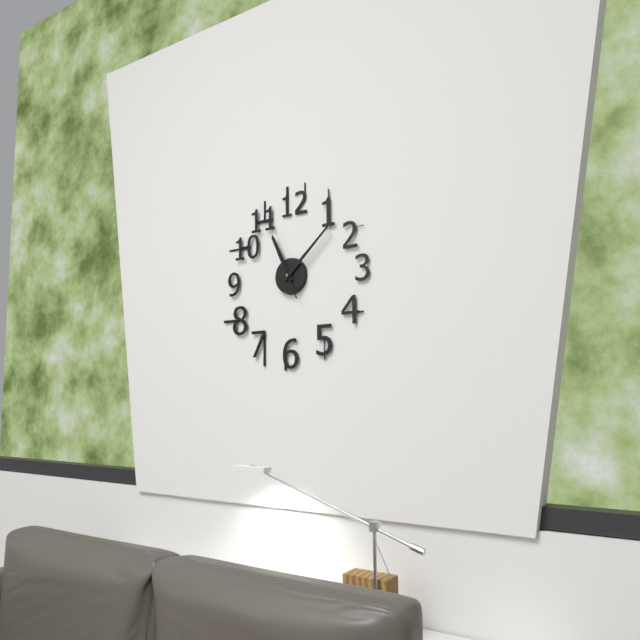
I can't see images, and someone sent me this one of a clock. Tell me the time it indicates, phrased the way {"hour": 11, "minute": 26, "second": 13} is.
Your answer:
{"hour": 11, "minute": 8, "second": 56}
